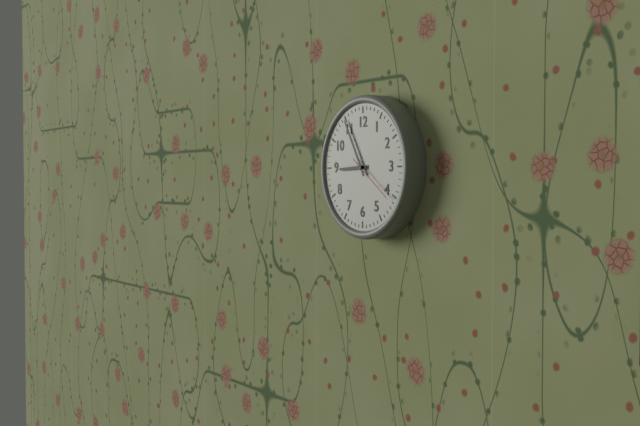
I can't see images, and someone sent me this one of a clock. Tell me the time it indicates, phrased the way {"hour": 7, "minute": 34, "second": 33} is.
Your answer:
{"hour": 8, "minute": 55, "second": 21}
